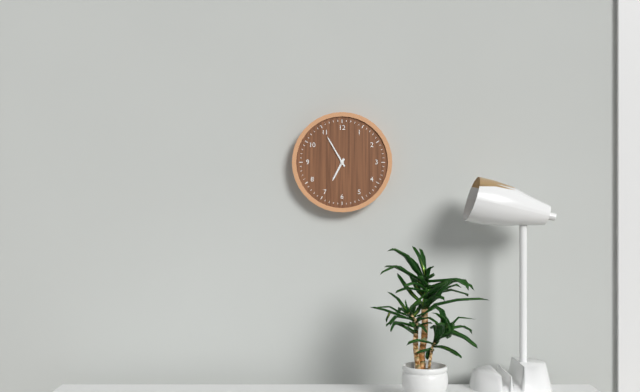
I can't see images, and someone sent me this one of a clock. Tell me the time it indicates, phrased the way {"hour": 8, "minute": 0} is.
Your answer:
{"hour": 6, "minute": 55}
